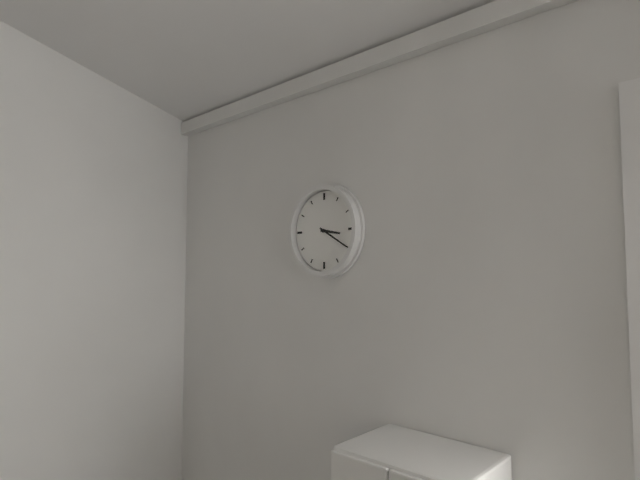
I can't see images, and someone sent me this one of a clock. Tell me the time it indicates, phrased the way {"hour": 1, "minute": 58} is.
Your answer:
{"hour": 3, "minute": 20}
